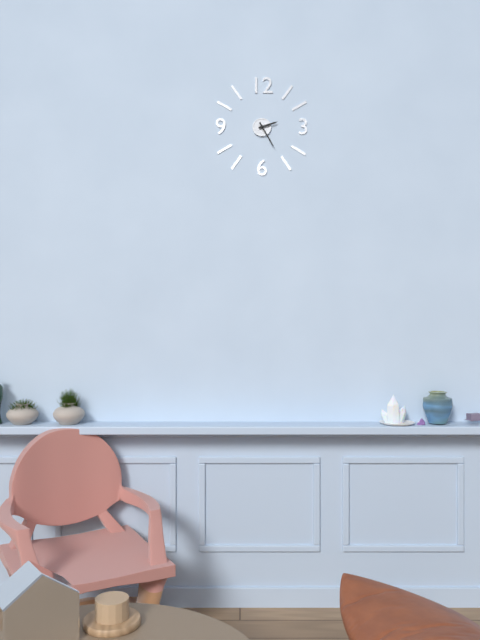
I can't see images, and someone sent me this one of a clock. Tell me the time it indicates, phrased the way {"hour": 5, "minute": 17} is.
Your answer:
{"hour": 2, "minute": 25}
